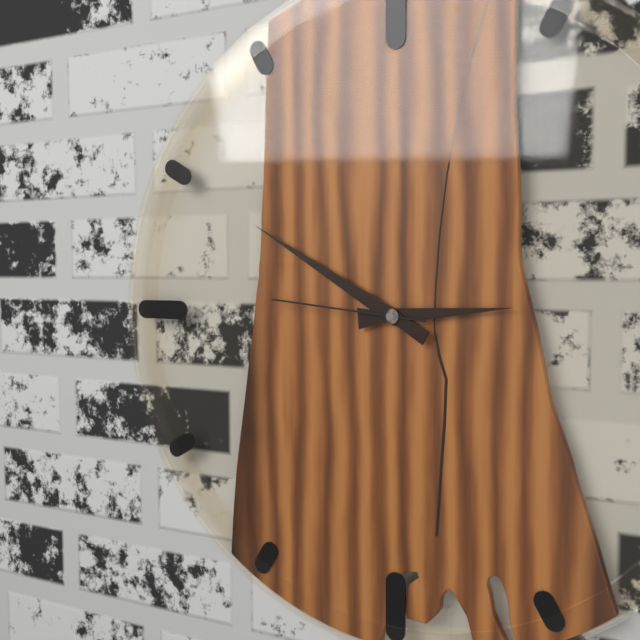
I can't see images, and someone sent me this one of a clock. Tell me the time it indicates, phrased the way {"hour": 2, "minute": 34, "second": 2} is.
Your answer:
{"hour": 2, "minute": 50, "second": 46}
